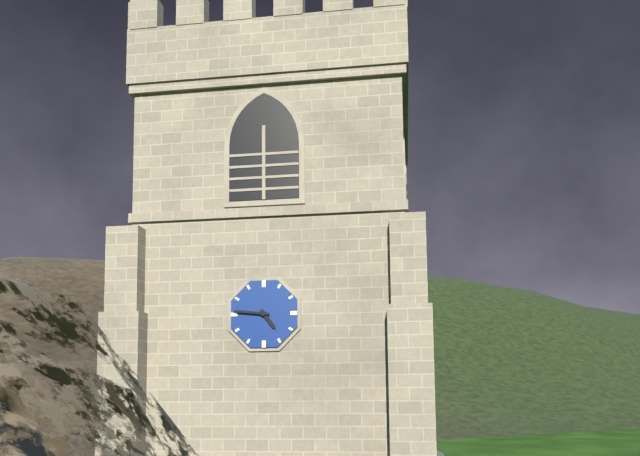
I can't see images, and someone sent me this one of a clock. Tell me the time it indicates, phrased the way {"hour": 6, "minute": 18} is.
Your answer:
{"hour": 4, "minute": 46}
